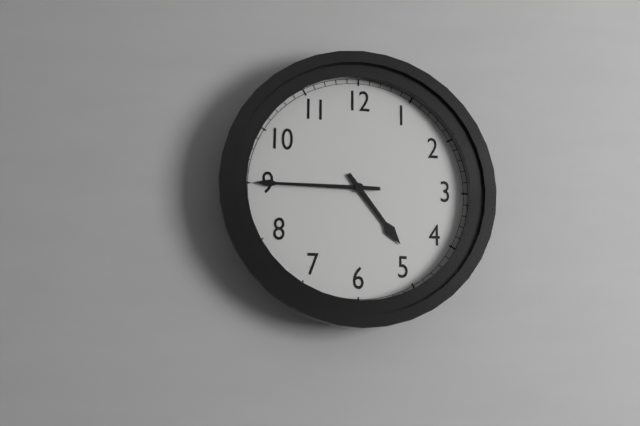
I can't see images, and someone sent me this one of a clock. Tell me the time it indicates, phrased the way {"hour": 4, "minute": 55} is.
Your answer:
{"hour": 4, "minute": 45}
